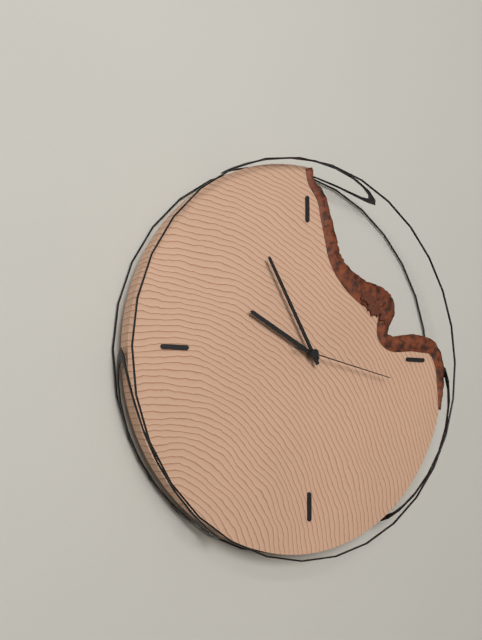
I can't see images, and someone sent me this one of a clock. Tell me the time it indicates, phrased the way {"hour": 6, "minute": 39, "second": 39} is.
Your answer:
{"hour": 9, "minute": 55, "second": 17}
